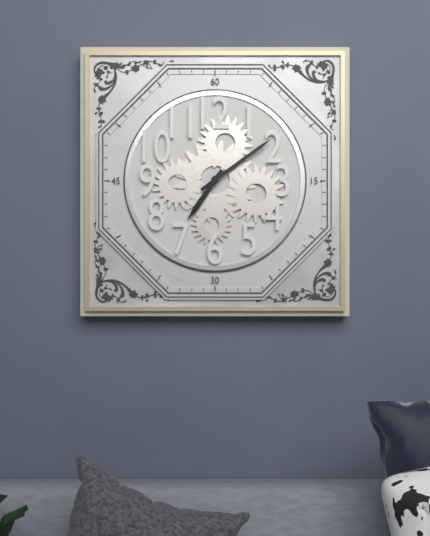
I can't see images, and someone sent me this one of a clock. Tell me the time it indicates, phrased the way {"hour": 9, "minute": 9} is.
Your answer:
{"hour": 7, "minute": 9}
